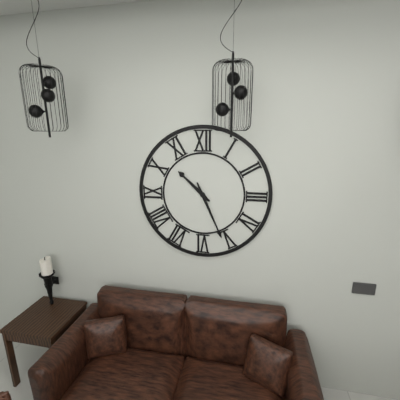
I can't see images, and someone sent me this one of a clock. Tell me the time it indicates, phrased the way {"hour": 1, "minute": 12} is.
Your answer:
{"hour": 10, "minute": 26}
